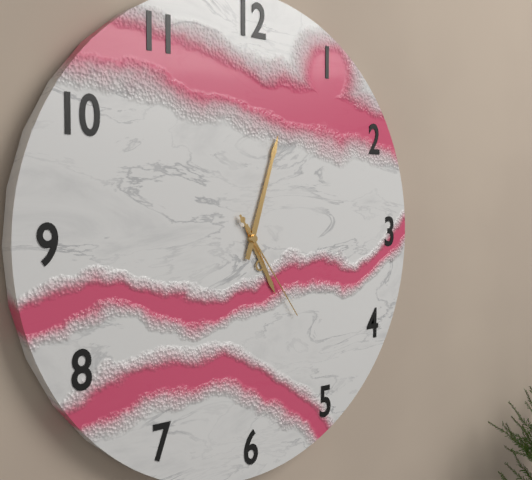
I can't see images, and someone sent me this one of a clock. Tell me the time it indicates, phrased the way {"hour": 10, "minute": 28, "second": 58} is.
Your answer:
{"hour": 5, "minute": 3, "second": 24}
